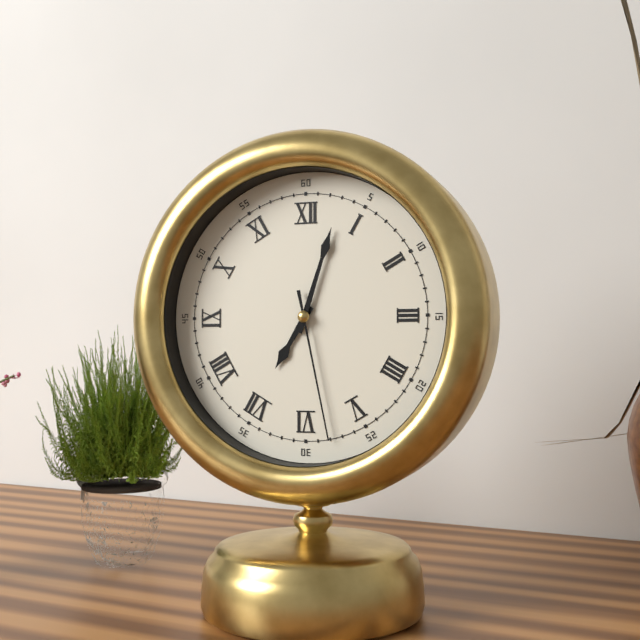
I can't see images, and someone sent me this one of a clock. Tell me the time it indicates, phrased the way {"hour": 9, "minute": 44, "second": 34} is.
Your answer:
{"hour": 7, "minute": 3, "second": 28}
